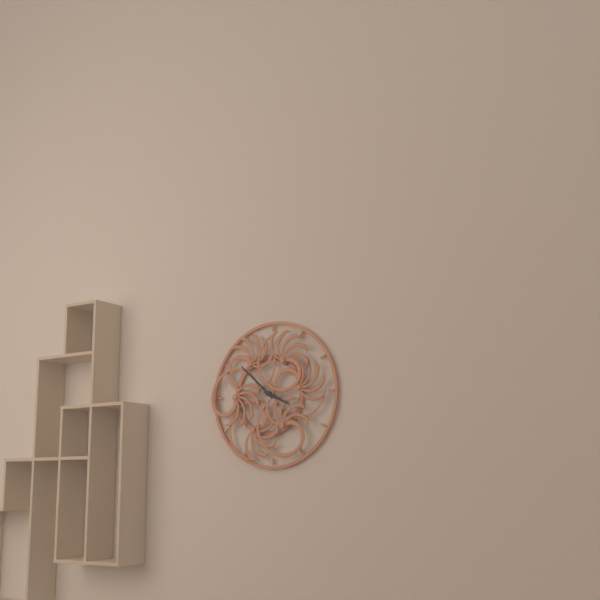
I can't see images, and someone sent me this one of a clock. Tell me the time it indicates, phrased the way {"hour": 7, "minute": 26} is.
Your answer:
{"hour": 3, "minute": 52}
